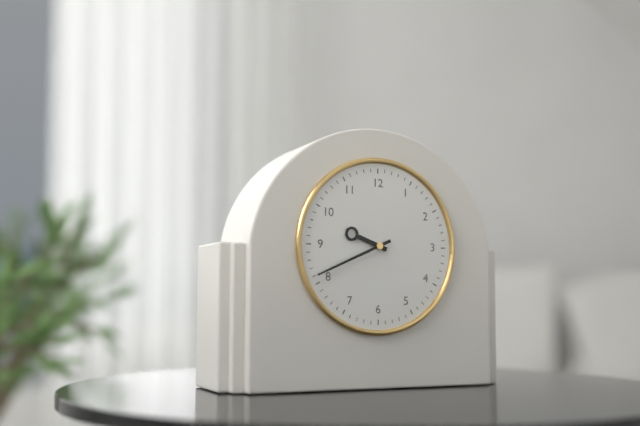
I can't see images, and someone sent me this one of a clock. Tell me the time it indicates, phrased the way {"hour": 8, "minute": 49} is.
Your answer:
{"hour": 9, "minute": 41}
